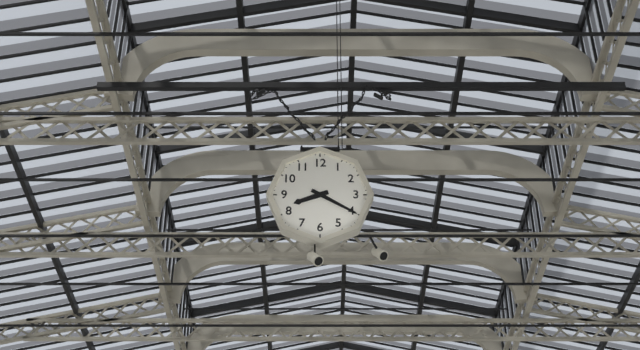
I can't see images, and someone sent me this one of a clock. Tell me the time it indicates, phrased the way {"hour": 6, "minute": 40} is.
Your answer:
{"hour": 8, "minute": 20}
